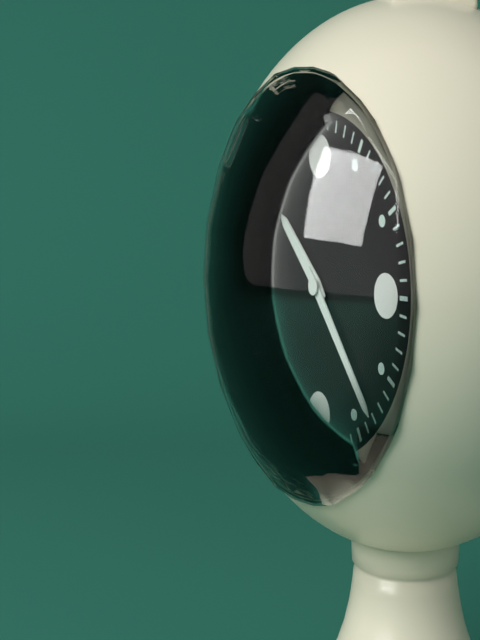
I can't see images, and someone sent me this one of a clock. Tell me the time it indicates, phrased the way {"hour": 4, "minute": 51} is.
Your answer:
{"hour": 10, "minute": 23}
